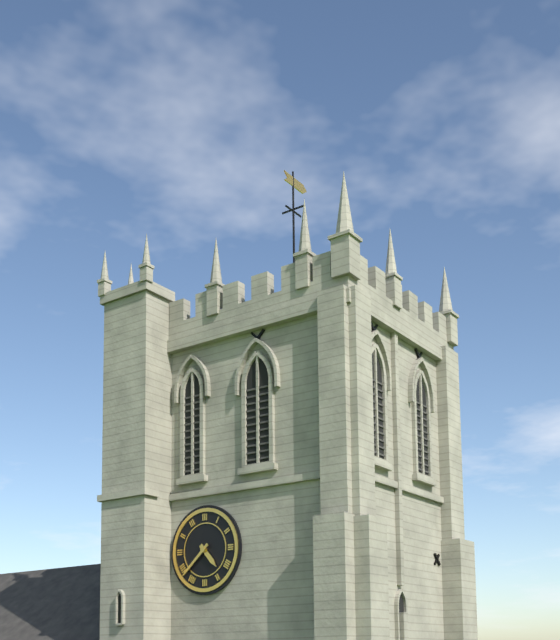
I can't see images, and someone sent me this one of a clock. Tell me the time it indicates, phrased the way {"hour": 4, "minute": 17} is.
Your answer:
{"hour": 4, "minute": 38}
